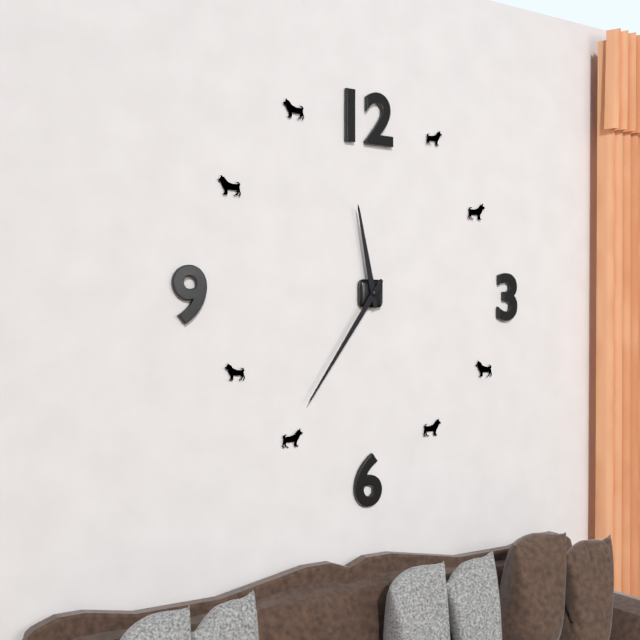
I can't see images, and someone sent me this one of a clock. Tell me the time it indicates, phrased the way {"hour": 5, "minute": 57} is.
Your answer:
{"hour": 11, "minute": 36}
